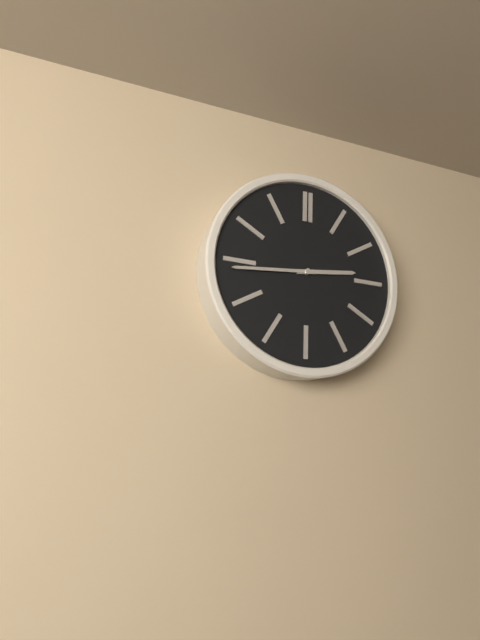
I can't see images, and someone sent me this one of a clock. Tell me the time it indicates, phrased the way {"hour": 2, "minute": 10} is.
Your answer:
{"hour": 2, "minute": 44}
